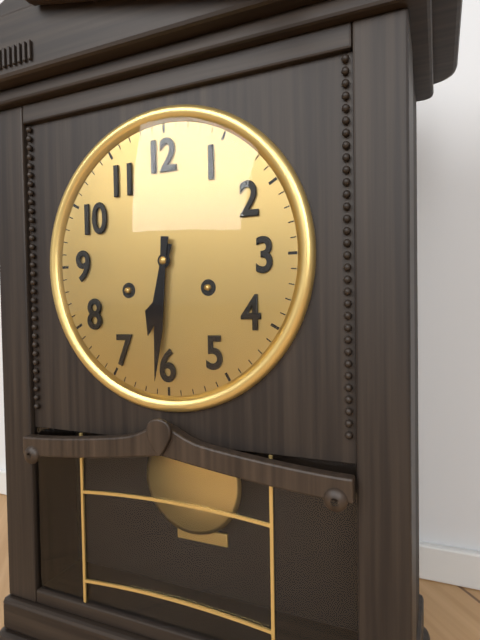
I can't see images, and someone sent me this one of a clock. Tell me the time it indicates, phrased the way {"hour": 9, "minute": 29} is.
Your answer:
{"hour": 6, "minute": 31}
